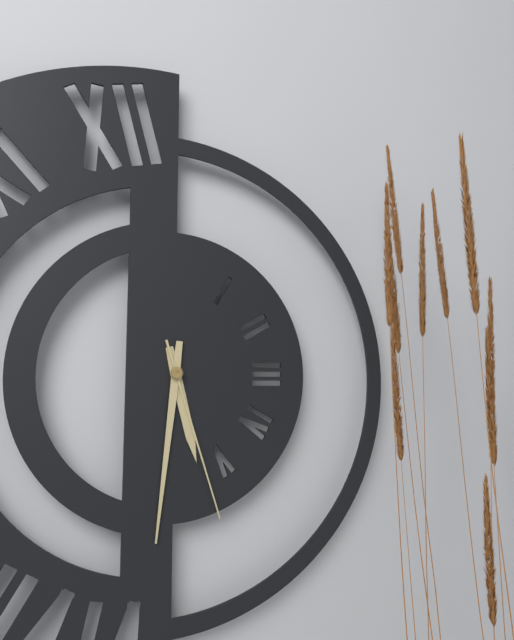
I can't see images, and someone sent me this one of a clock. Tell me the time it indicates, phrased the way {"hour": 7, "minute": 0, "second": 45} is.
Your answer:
{"hour": 5, "minute": 31, "second": 27}
